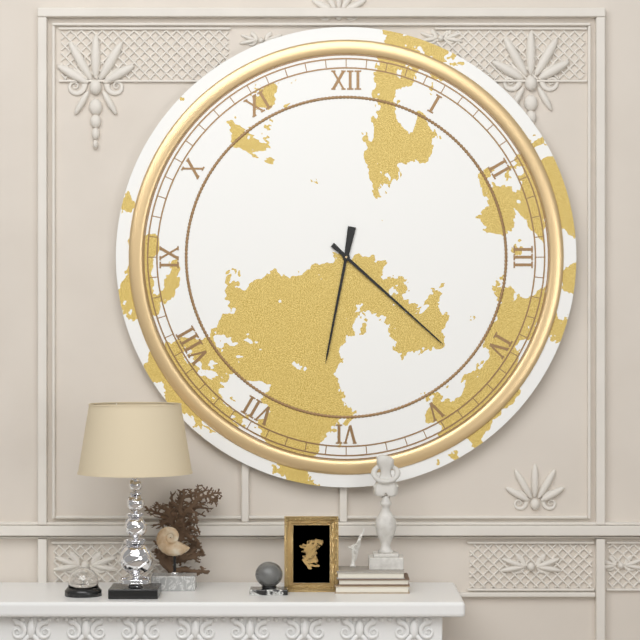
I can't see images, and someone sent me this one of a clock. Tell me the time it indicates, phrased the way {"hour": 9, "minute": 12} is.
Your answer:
{"hour": 6, "minute": 22}
